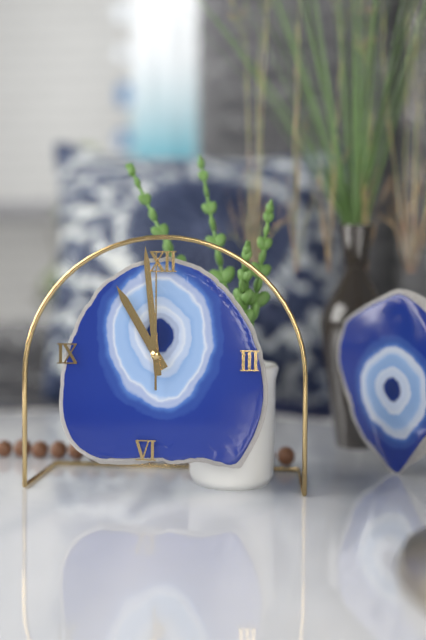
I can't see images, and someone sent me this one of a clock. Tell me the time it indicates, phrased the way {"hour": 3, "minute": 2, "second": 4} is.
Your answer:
{"hour": 10, "minute": 59, "second": 0}
